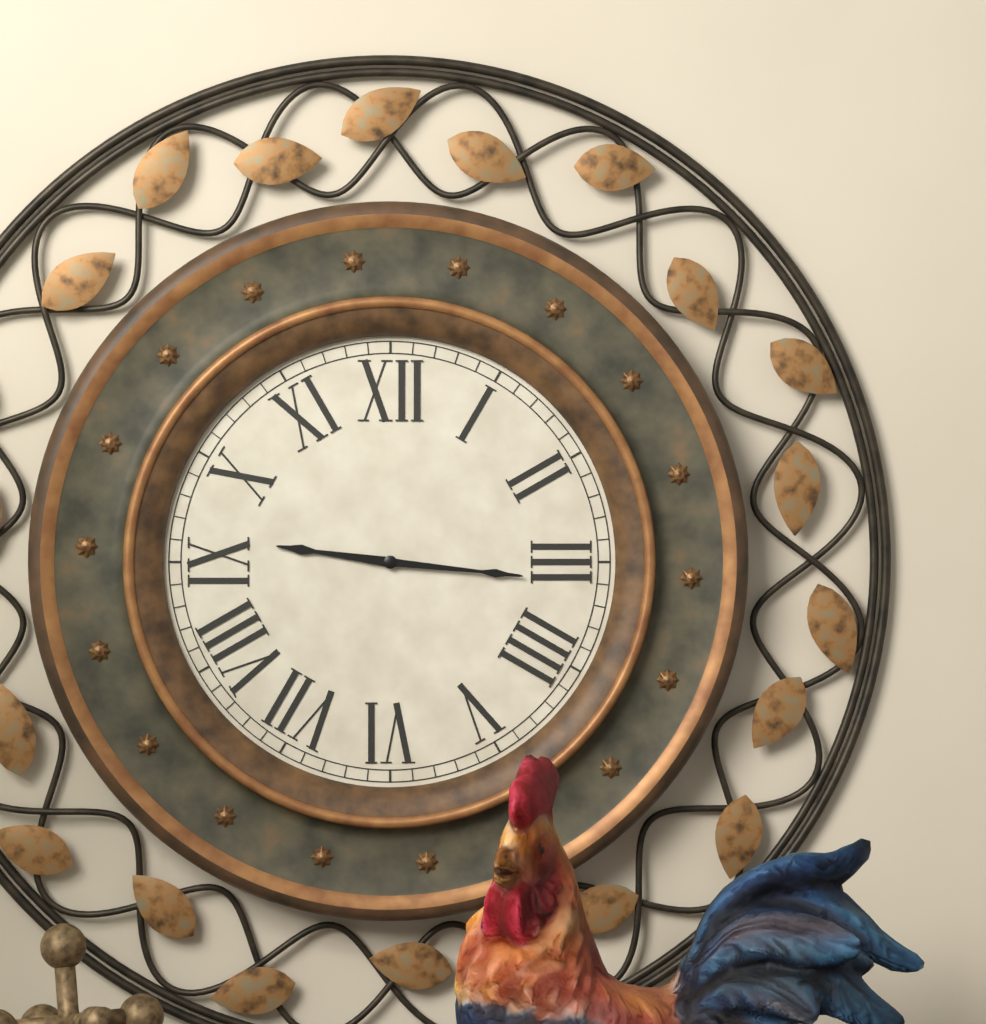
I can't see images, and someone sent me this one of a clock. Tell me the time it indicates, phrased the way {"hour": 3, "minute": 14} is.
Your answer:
{"hour": 9, "minute": 16}
